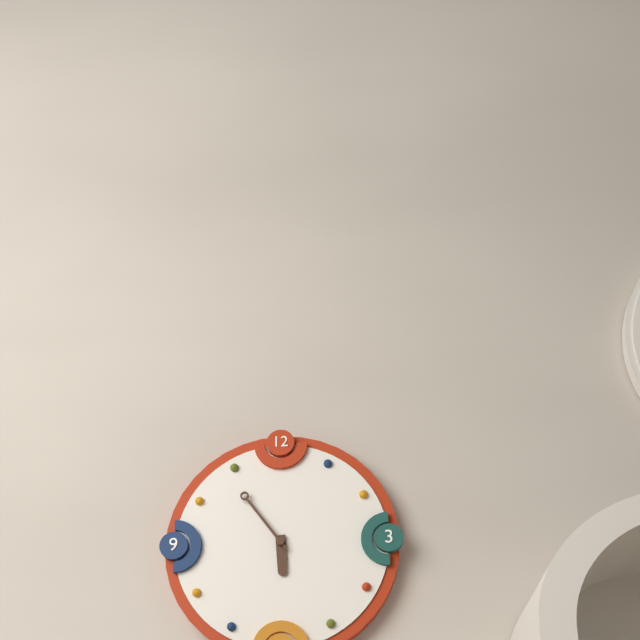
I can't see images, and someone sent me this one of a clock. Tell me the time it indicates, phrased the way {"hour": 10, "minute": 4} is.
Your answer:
{"hour": 5, "minute": 54}
